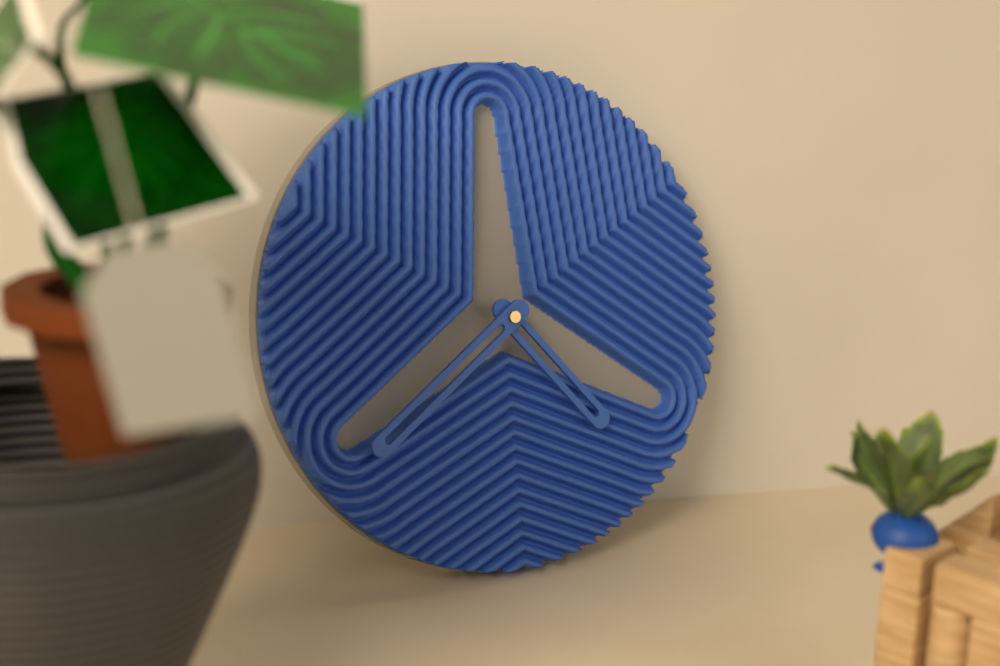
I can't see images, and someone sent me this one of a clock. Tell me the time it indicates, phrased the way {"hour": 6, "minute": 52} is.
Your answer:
{"hour": 4, "minute": 39}
